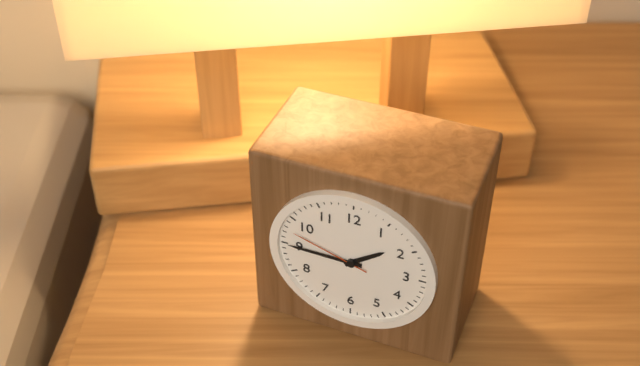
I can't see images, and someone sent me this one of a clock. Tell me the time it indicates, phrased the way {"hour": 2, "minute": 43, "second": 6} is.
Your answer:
{"hour": 1, "minute": 45, "second": 48}
